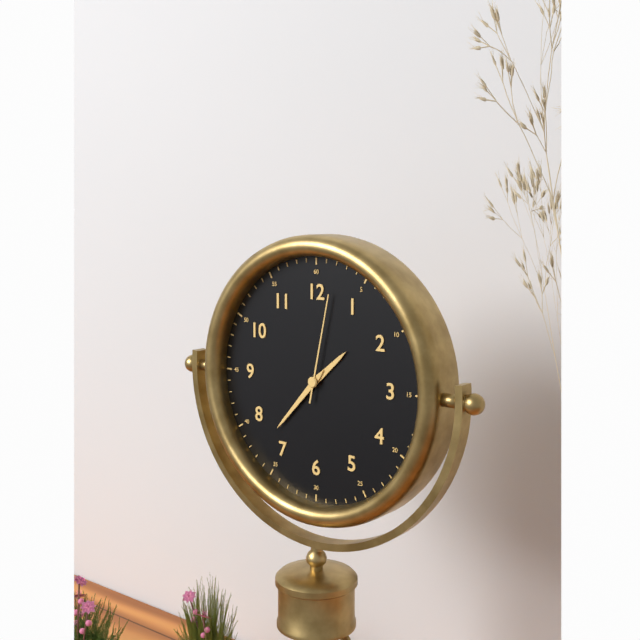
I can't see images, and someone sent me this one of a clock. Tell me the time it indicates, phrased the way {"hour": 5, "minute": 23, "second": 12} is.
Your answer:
{"hour": 1, "minute": 37, "second": 2}
